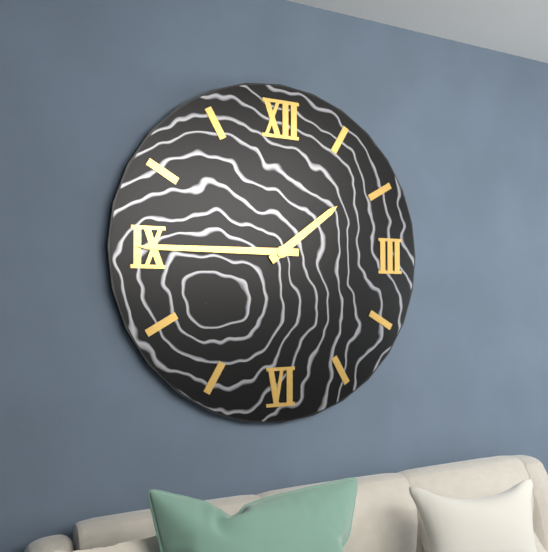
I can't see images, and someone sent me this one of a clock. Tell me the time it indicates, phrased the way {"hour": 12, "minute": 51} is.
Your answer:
{"hour": 1, "minute": 45}
